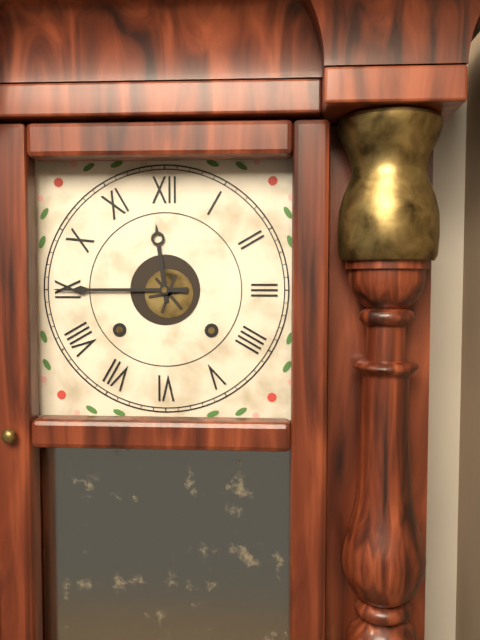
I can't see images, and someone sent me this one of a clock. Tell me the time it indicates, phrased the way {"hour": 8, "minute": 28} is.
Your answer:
{"hour": 11, "minute": 45}
